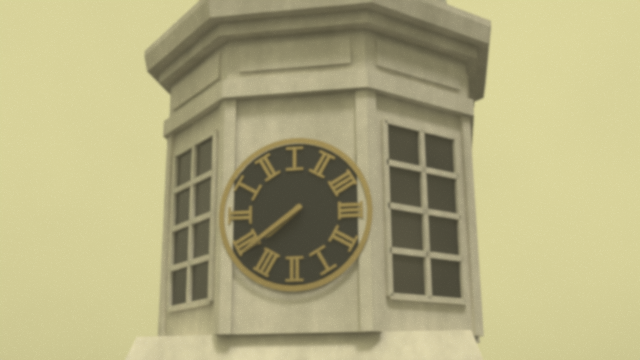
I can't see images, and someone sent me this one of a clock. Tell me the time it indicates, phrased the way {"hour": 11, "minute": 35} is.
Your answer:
{"hour": 7, "minute": 39}
